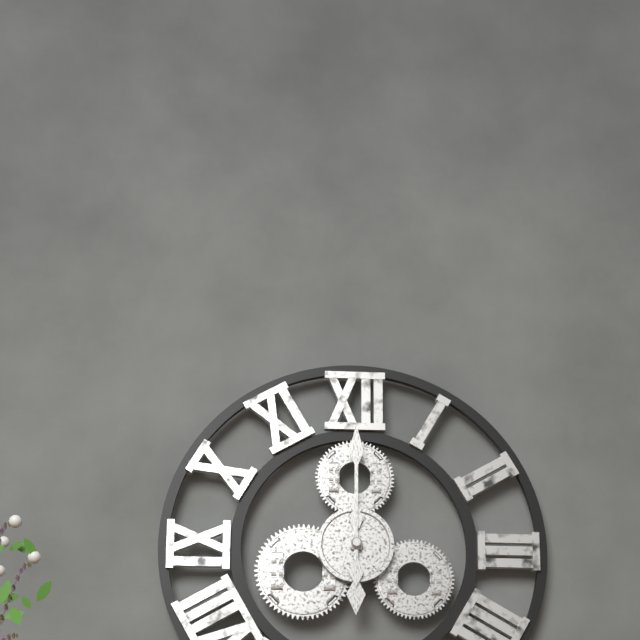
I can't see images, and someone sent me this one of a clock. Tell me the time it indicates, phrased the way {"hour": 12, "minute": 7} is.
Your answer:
{"hour": 6, "minute": 0}
